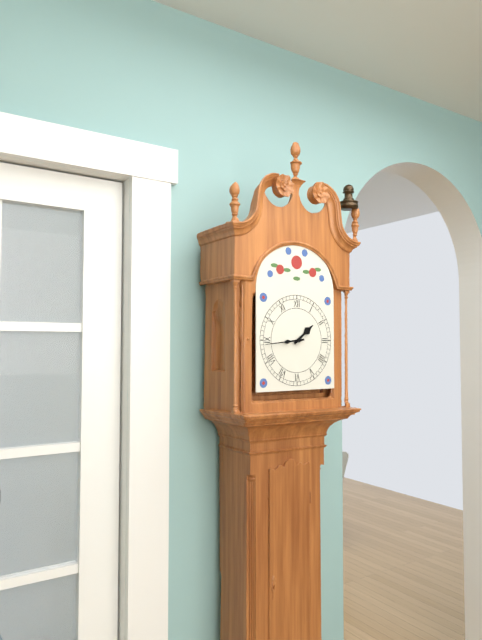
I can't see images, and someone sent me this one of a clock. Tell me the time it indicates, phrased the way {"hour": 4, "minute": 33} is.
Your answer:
{"hour": 1, "minute": 44}
